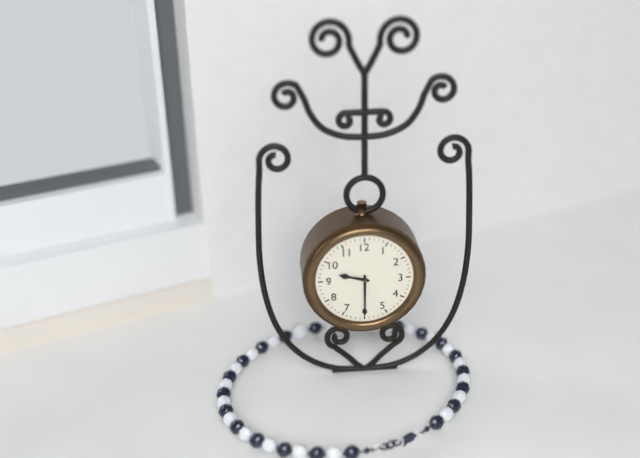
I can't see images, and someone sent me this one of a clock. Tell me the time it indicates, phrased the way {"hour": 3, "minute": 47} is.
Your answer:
{"hour": 9, "minute": 30}
